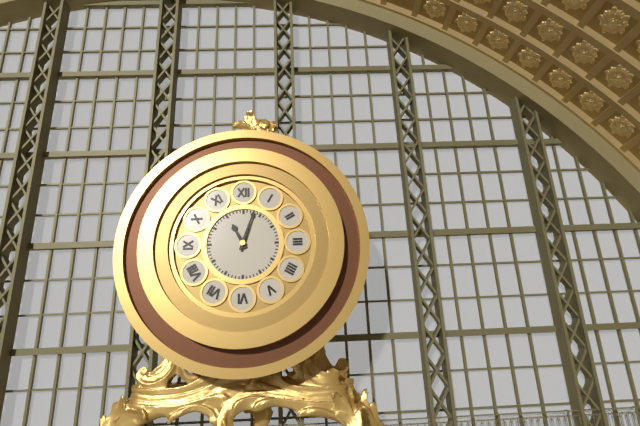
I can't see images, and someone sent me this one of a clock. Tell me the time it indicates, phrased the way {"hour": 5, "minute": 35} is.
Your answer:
{"hour": 11, "minute": 3}
